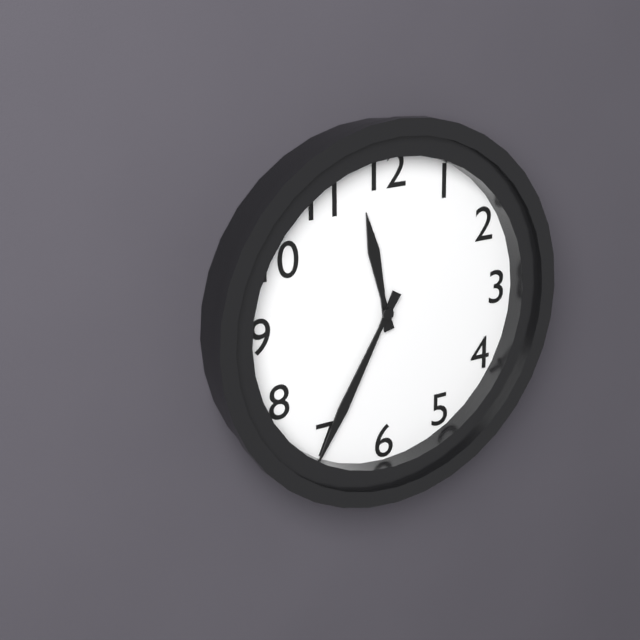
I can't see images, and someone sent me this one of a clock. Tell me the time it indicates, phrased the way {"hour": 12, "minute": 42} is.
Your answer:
{"hour": 11, "minute": 35}
